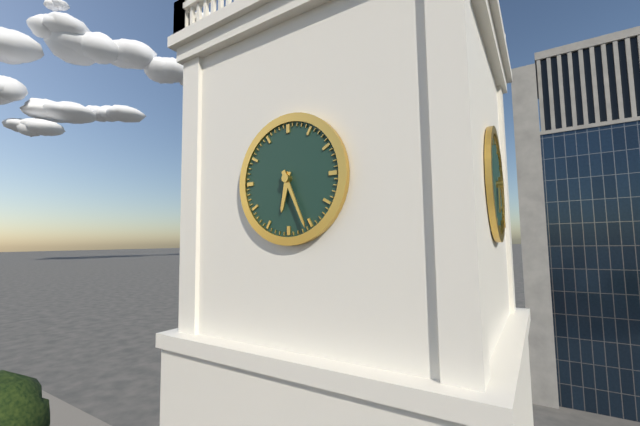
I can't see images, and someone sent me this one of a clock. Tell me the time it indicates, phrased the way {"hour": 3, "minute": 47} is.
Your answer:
{"hour": 6, "minute": 26}
